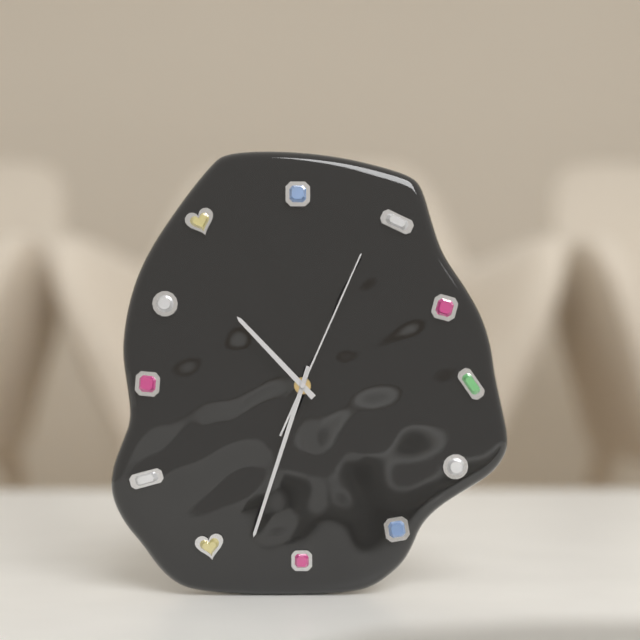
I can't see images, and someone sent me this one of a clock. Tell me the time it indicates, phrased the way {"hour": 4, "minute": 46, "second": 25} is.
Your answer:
{"hour": 10, "minute": 33, "second": 4}
